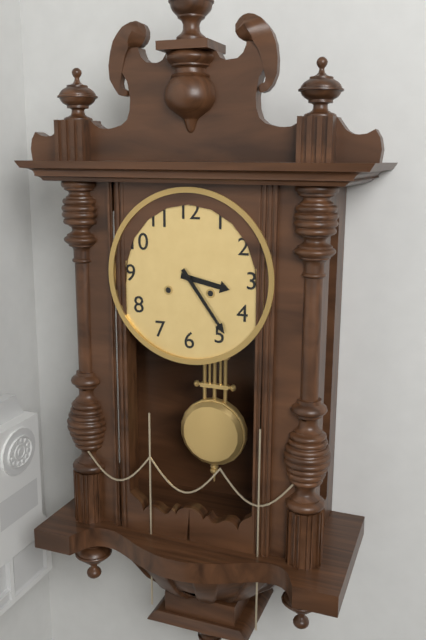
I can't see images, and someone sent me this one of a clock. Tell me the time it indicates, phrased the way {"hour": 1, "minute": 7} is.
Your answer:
{"hour": 3, "minute": 24}
